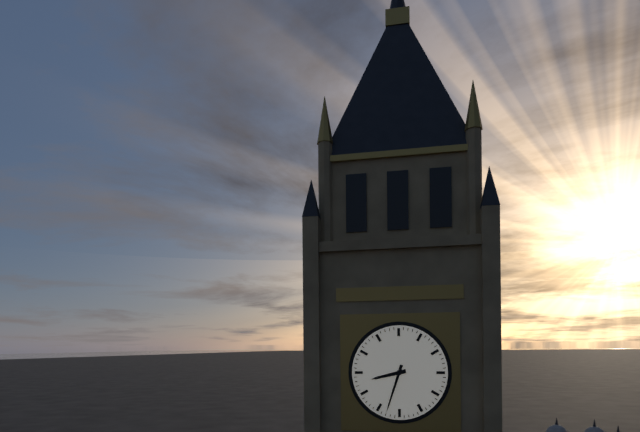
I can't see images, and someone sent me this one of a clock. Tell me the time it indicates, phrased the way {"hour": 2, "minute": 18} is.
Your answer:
{"hour": 8, "minute": 33}
